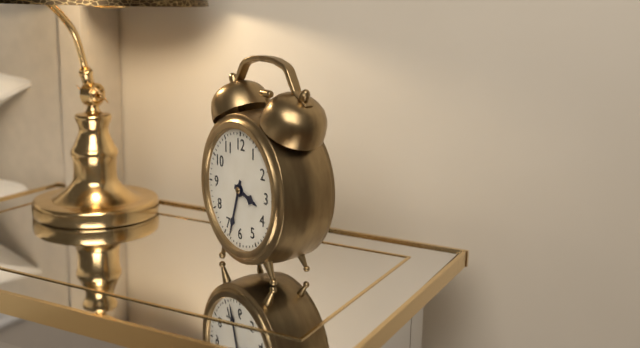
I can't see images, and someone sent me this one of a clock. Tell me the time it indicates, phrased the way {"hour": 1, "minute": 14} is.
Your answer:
{"hour": 3, "minute": 33}
